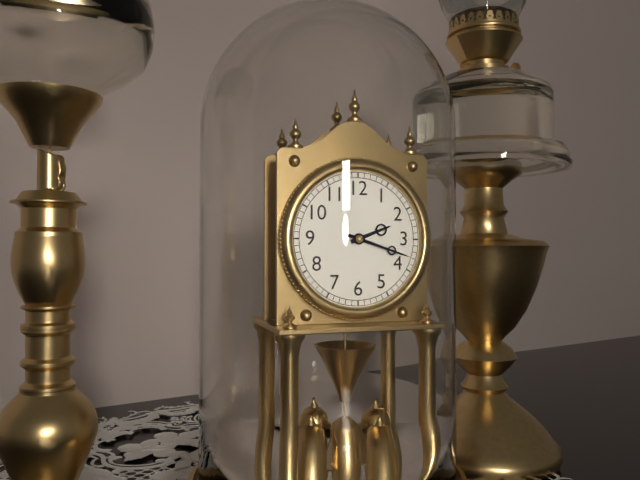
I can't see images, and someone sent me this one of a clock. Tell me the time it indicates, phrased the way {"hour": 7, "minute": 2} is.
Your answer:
{"hour": 2, "minute": 18}
